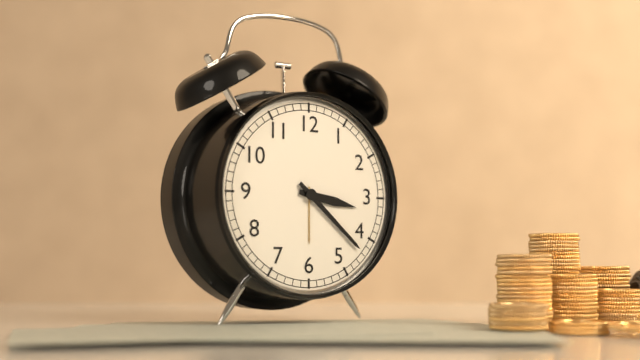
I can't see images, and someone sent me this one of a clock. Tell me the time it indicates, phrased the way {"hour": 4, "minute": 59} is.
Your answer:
{"hour": 3, "minute": 22}
